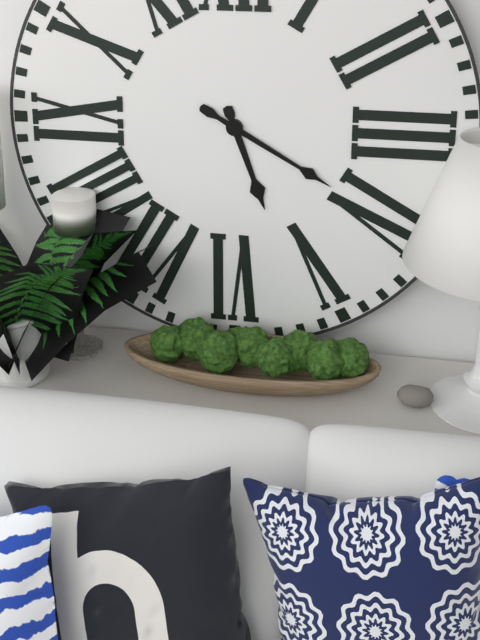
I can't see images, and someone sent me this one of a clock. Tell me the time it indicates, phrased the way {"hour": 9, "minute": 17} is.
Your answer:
{"hour": 5, "minute": 20}
